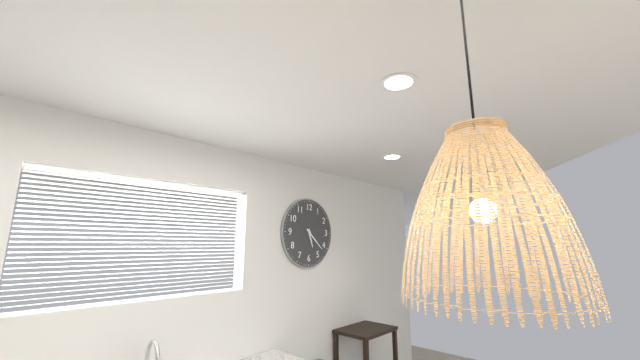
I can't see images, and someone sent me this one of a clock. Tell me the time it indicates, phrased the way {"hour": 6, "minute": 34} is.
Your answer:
{"hour": 5, "minute": 22}
